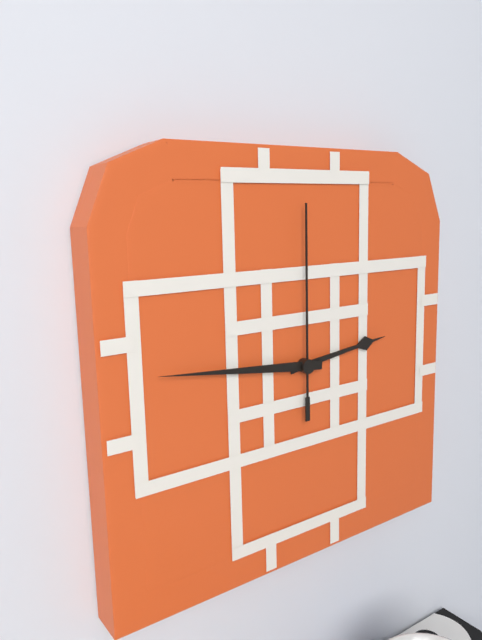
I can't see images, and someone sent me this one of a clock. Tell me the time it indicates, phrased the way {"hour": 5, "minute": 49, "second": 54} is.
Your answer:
{"hour": 2, "minute": 46, "second": 0}
